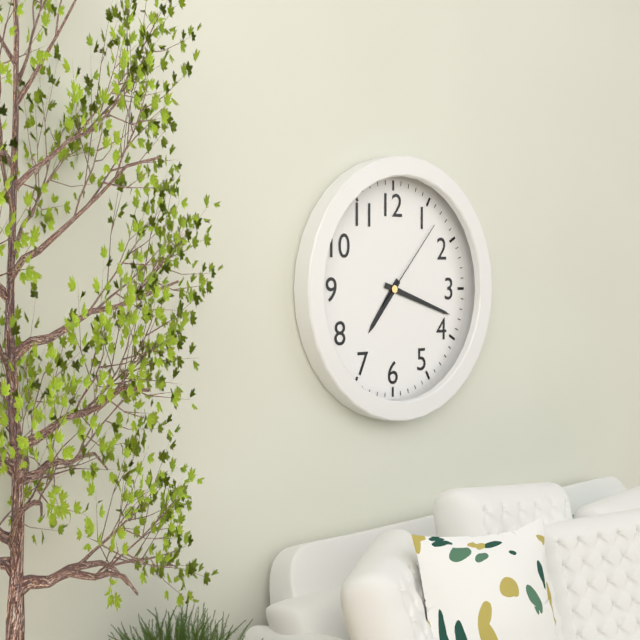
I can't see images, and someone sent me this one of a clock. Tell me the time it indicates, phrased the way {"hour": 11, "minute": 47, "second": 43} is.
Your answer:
{"hour": 7, "minute": 18, "second": 7}
